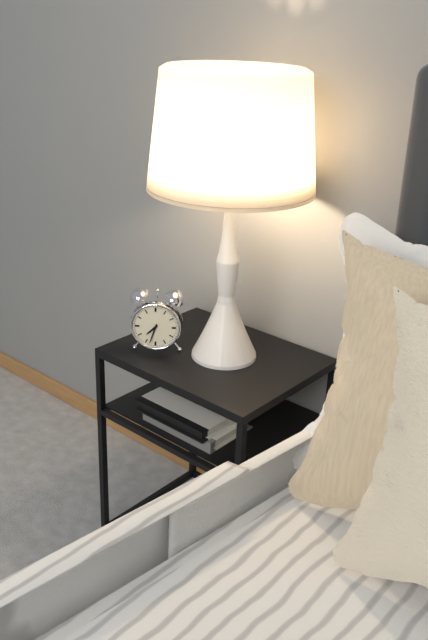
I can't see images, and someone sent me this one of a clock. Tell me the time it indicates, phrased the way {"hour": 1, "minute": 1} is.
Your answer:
{"hour": 7, "minute": 33}
